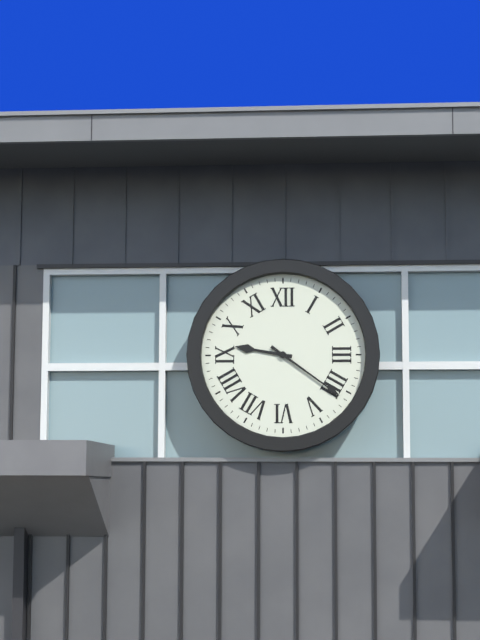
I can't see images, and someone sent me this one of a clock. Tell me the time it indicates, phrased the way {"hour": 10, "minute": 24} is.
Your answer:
{"hour": 9, "minute": 21}
